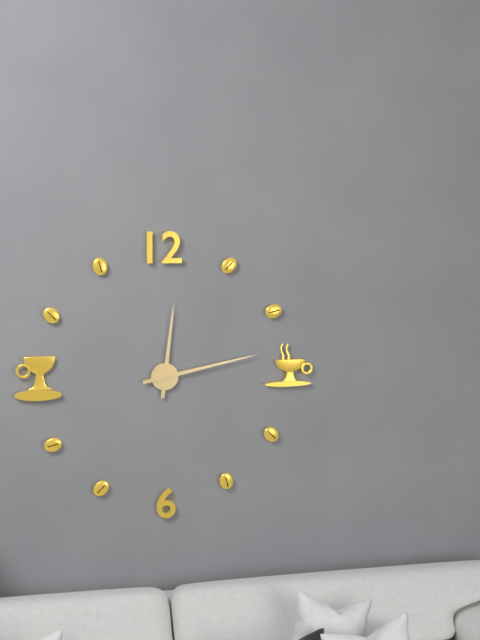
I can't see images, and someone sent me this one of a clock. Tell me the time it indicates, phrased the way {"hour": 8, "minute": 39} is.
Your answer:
{"hour": 12, "minute": 13}
